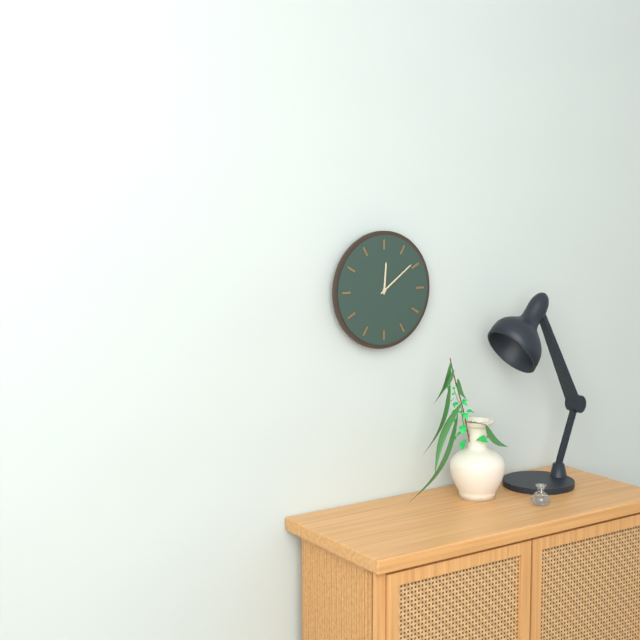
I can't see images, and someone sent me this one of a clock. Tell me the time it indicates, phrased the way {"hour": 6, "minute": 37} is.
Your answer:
{"hour": 12, "minute": 9}
